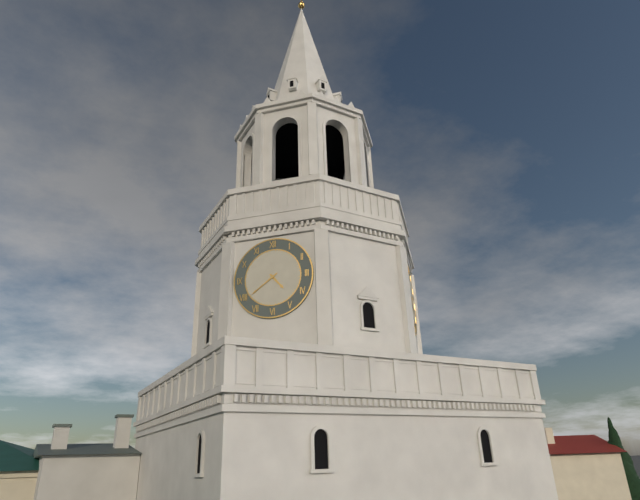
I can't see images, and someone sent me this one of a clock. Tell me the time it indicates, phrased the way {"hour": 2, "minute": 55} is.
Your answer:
{"hour": 4, "minute": 39}
